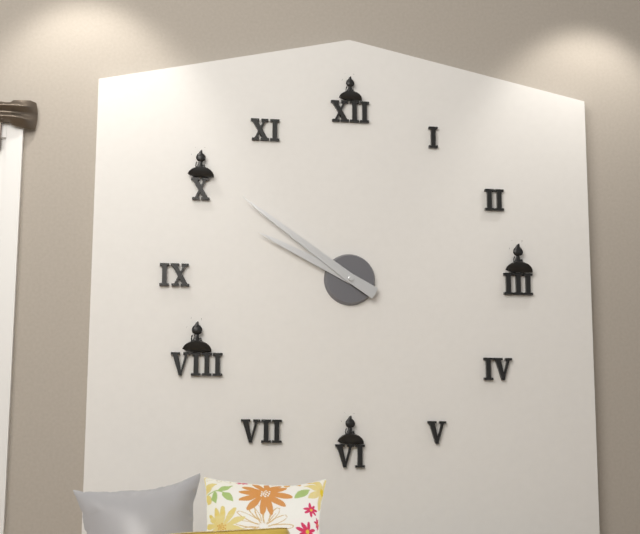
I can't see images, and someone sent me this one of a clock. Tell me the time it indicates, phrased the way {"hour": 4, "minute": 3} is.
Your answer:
{"hour": 9, "minute": 51}
